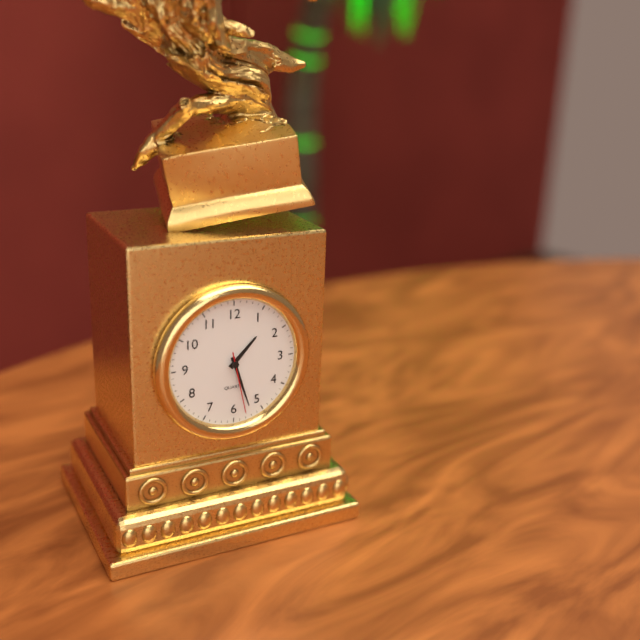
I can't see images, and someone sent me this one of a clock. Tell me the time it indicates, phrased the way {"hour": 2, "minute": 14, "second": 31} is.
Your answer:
{"hour": 1, "minute": 27, "second": 28}
